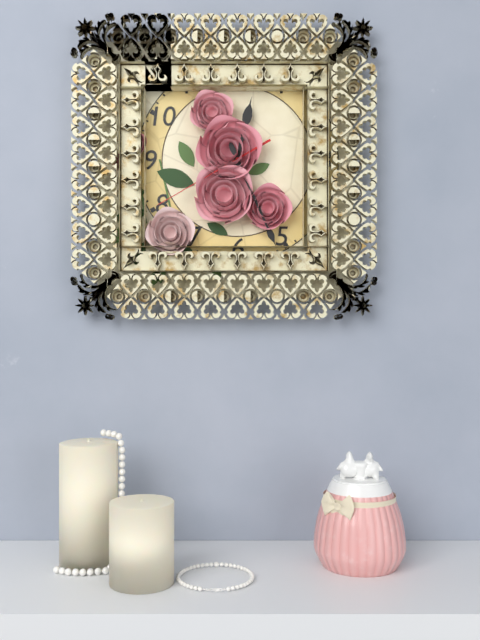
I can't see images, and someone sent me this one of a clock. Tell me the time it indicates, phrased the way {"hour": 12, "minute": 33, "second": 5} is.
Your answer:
{"hour": 12, "minute": 26, "second": 40}
